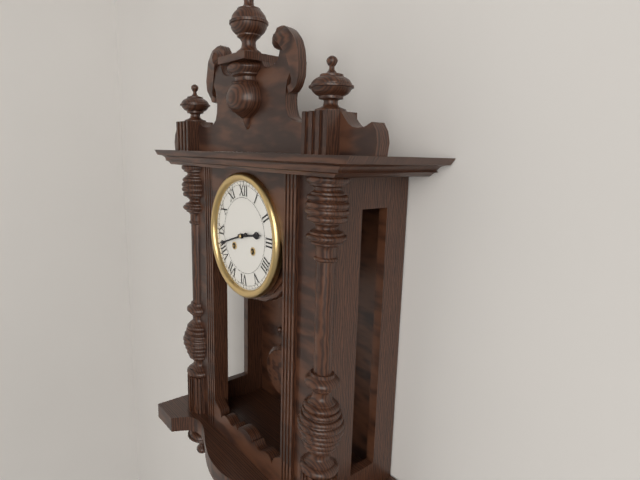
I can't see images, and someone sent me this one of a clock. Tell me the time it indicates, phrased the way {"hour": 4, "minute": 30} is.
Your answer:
{"hour": 2, "minute": 42}
